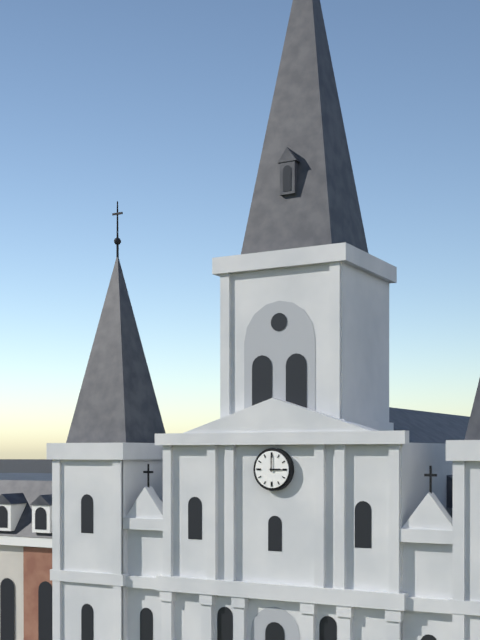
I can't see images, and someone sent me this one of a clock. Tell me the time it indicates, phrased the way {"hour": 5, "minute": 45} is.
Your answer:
{"hour": 3, "minute": 0}
